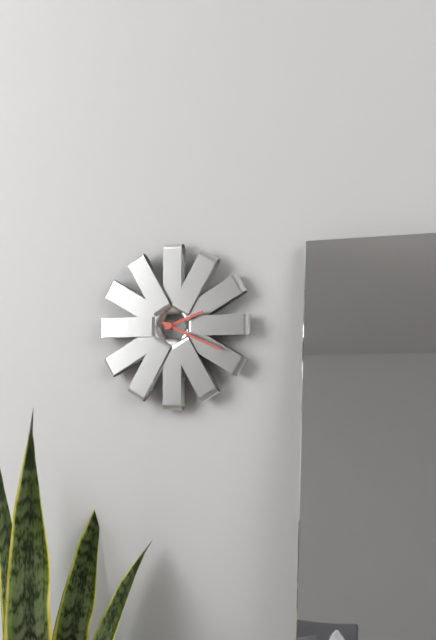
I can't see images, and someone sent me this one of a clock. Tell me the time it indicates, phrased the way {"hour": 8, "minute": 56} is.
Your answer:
{"hour": 2, "minute": 19}
